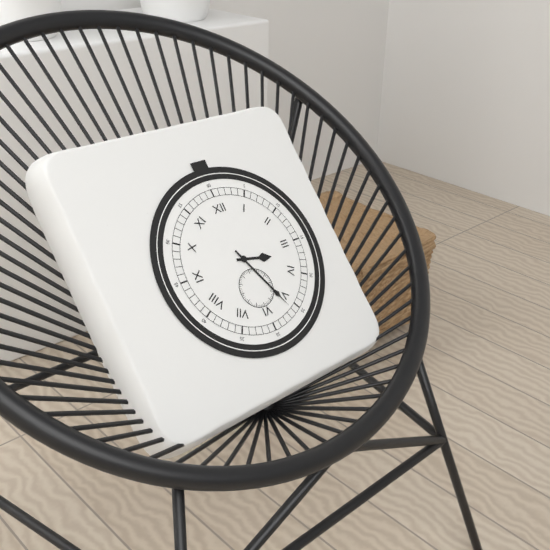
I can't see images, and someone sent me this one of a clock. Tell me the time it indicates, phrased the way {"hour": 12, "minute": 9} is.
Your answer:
{"hour": 3, "minute": 26}
